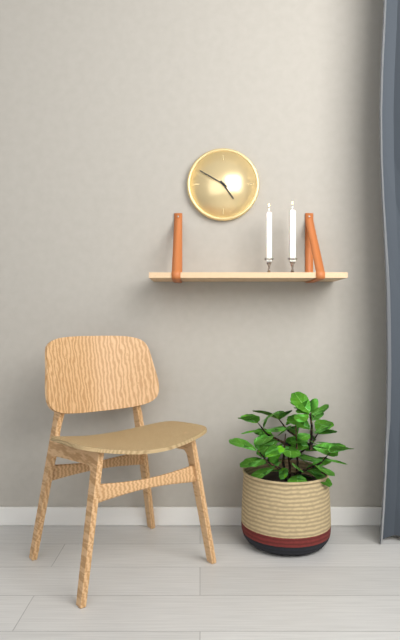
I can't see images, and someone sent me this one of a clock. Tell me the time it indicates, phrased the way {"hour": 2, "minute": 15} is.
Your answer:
{"hour": 4, "minute": 50}
